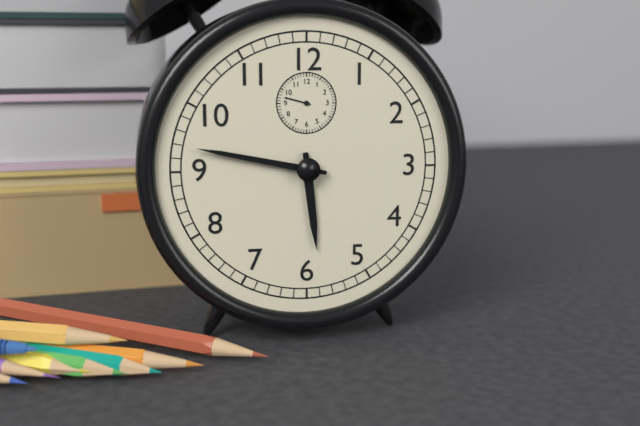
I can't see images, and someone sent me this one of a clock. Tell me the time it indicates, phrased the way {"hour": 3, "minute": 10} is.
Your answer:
{"hour": 5, "minute": 47}
